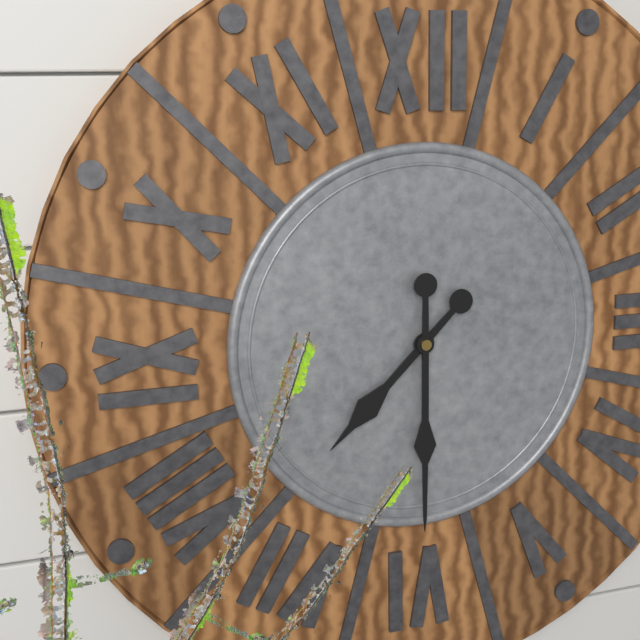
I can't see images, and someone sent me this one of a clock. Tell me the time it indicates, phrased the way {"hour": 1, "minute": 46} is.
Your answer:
{"hour": 7, "minute": 30}
